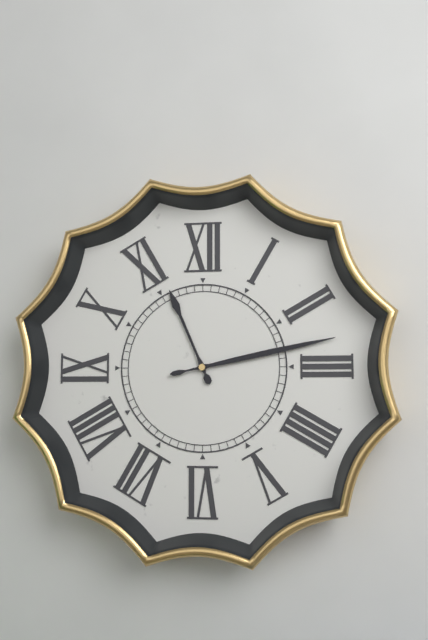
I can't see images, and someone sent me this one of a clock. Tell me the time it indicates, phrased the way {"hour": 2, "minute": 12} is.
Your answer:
{"hour": 11, "minute": 13}
